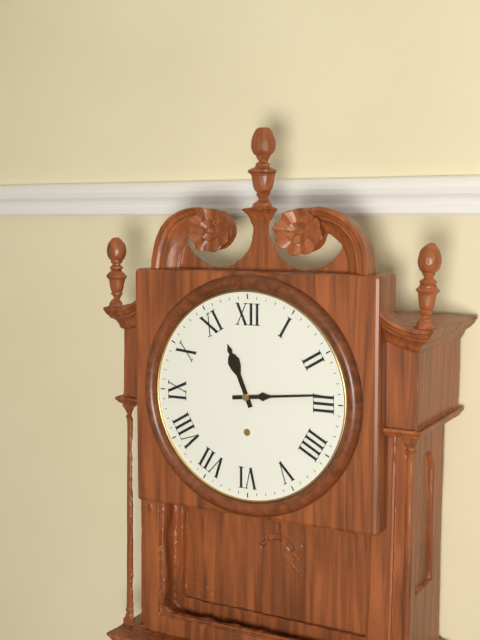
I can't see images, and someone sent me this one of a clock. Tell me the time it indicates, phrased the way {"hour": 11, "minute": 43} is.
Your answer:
{"hour": 11, "minute": 14}
